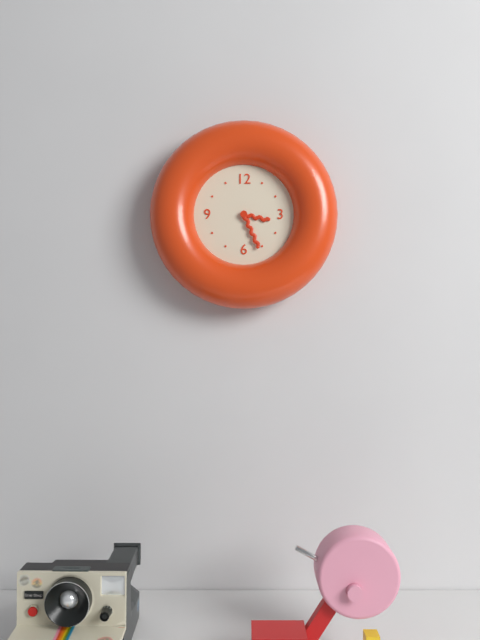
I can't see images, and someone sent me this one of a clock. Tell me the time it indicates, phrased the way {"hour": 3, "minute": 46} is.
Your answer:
{"hour": 3, "minute": 26}
